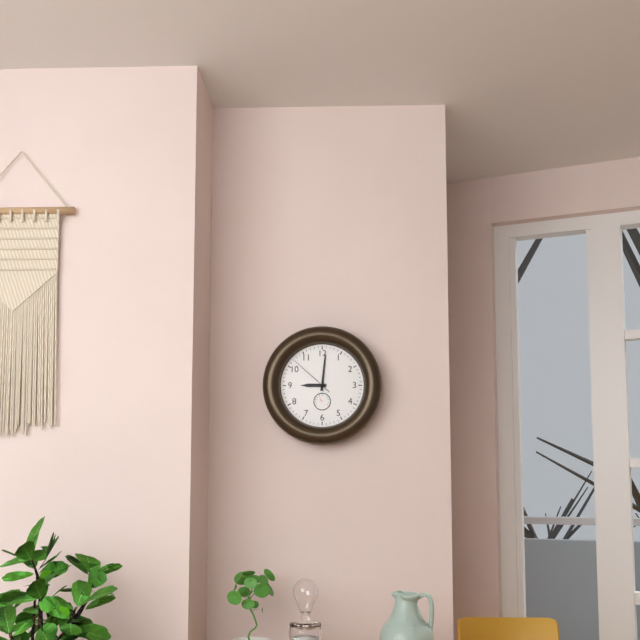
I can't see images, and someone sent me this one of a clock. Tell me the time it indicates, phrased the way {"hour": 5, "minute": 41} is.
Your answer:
{"hour": 9, "minute": 1}
